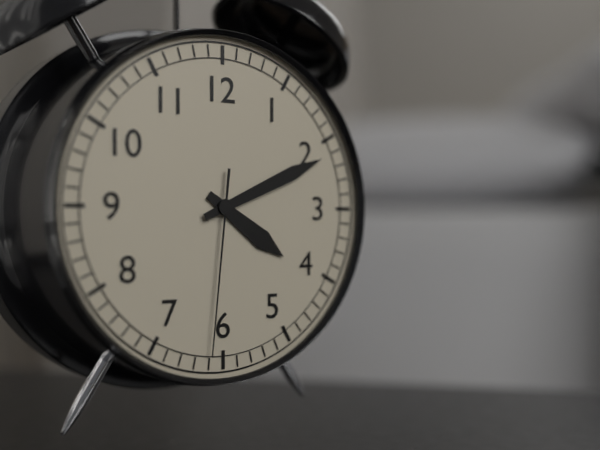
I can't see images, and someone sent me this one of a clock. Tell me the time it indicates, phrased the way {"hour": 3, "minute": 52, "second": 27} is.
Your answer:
{"hour": 4, "minute": 11, "second": 31}
